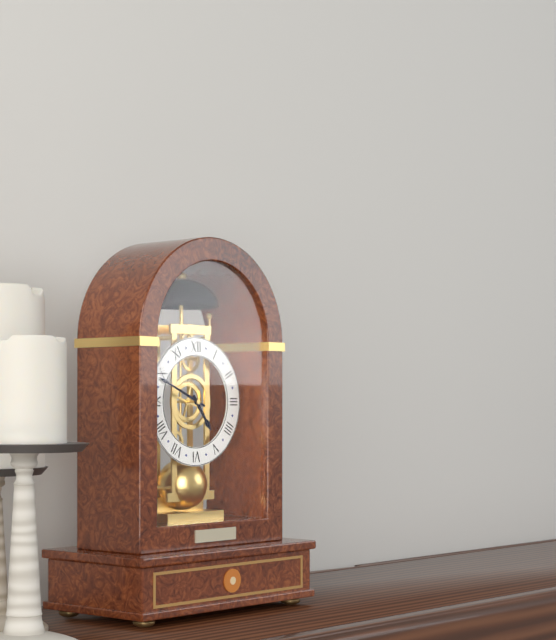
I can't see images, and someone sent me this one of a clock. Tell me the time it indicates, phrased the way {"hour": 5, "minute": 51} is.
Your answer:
{"hour": 4, "minute": 49}
